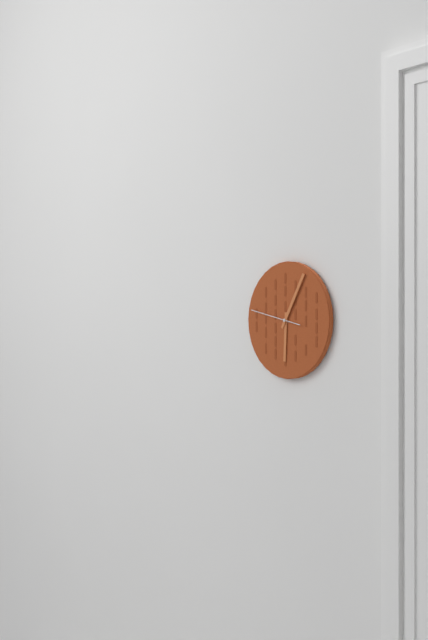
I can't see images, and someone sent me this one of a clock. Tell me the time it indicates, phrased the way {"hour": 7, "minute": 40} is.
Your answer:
{"hour": 6, "minute": 5}
